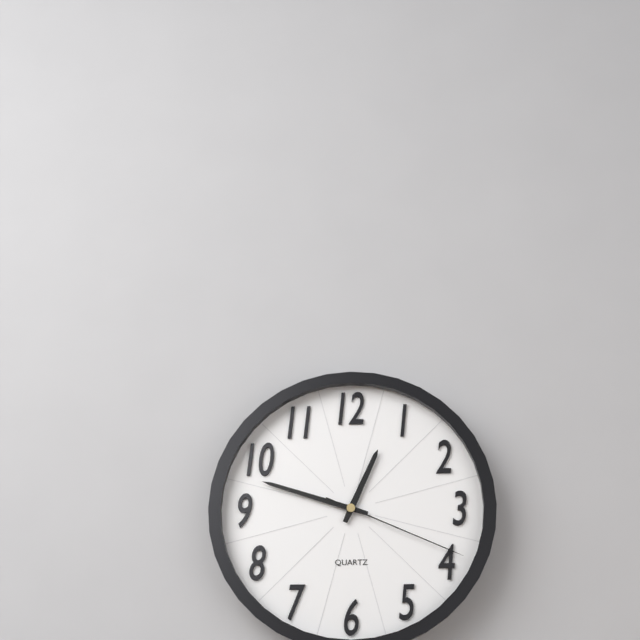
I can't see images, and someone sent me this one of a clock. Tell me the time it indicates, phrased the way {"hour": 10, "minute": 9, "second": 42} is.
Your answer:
{"hour": 12, "minute": 48, "second": 19}
